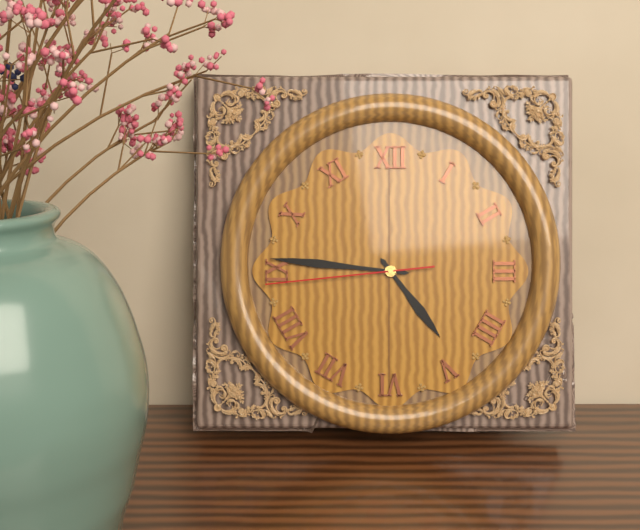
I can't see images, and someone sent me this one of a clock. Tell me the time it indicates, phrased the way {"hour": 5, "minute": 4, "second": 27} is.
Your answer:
{"hour": 4, "minute": 46, "second": 44}
